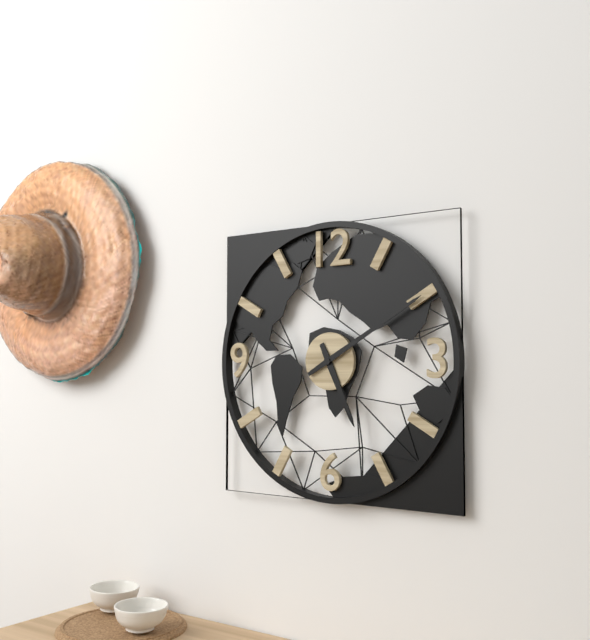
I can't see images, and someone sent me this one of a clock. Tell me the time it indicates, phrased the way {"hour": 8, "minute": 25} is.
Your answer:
{"hour": 5, "minute": 10}
